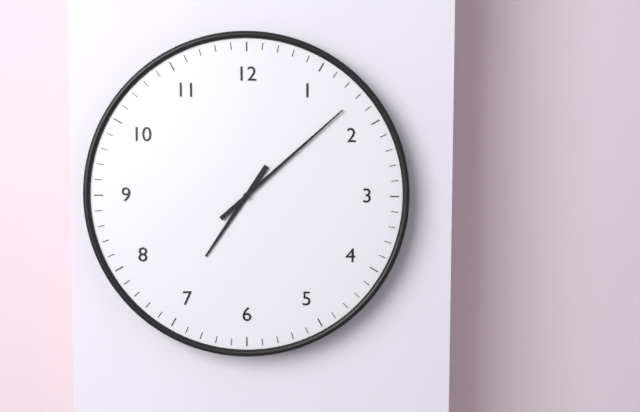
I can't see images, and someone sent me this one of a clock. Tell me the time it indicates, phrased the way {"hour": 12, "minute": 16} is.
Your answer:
{"hour": 7, "minute": 8}
